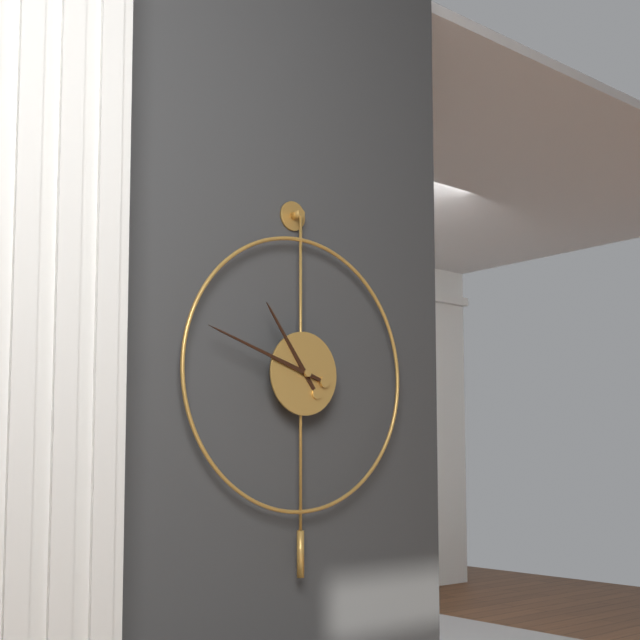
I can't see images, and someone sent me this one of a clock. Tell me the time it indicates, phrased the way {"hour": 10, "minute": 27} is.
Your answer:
{"hour": 10, "minute": 48}
